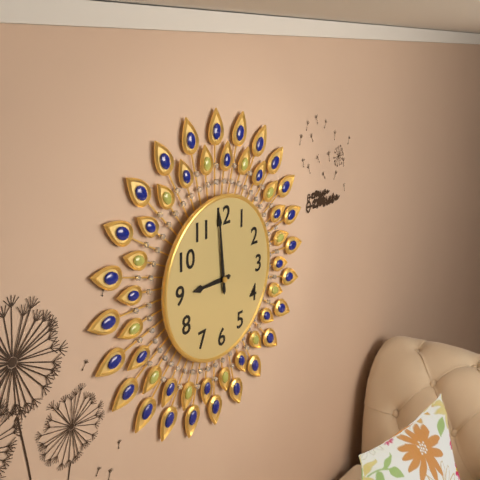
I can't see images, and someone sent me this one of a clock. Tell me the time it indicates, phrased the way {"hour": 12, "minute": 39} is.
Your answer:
{"hour": 8, "minute": 59}
